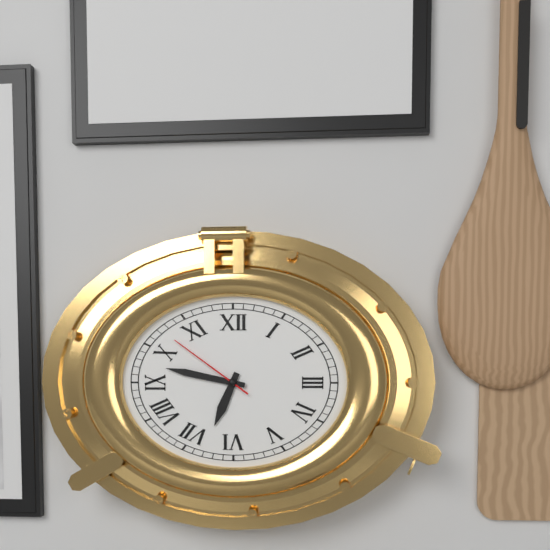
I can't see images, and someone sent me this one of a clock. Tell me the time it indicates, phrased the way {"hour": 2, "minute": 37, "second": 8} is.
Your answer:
{"hour": 6, "minute": 47, "second": 51}
